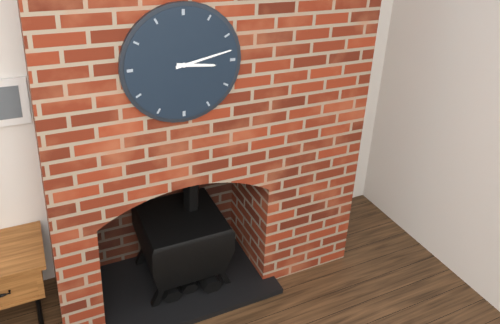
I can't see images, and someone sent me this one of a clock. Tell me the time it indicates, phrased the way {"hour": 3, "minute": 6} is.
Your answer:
{"hour": 3, "minute": 13}
